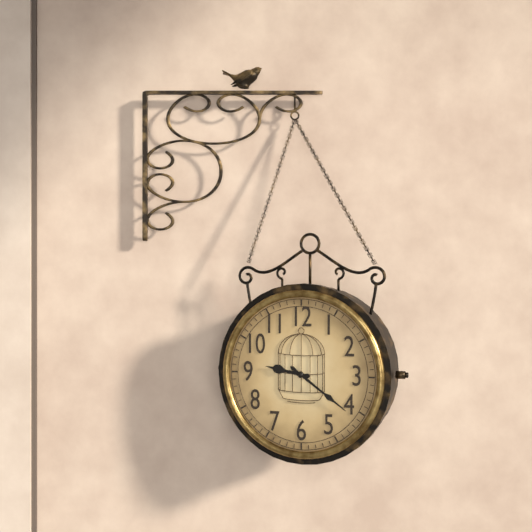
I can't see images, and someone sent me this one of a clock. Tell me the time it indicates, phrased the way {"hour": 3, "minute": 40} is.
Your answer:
{"hour": 9, "minute": 21}
